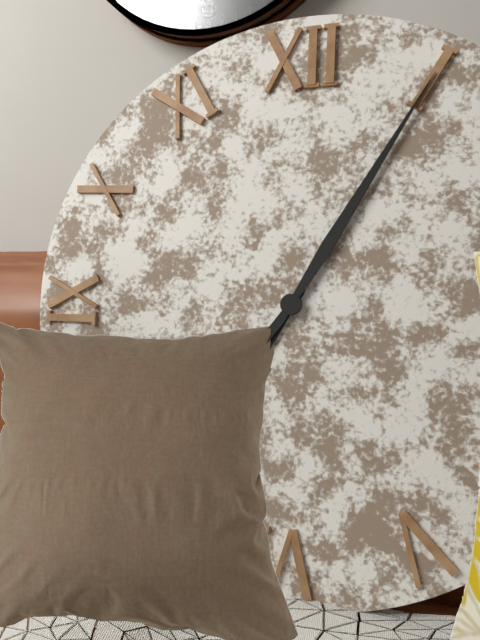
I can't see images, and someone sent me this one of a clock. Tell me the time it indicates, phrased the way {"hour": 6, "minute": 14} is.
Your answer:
{"hour": 7, "minute": 5}
